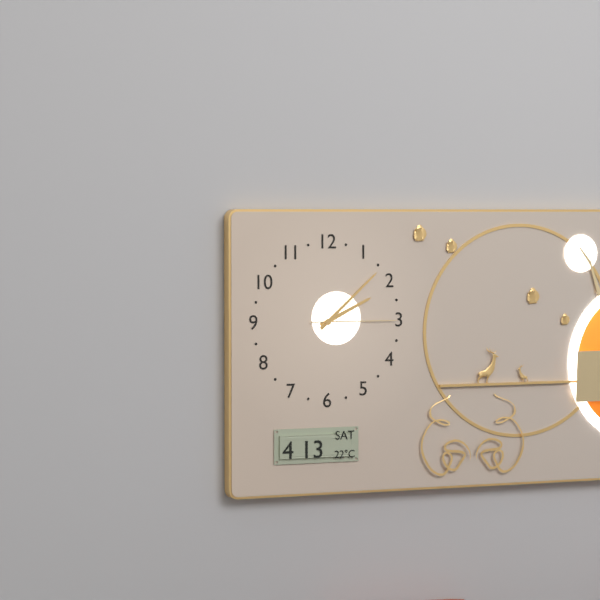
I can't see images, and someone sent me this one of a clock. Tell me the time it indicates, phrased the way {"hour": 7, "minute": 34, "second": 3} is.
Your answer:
{"hour": 2, "minute": 8, "second": 15}
